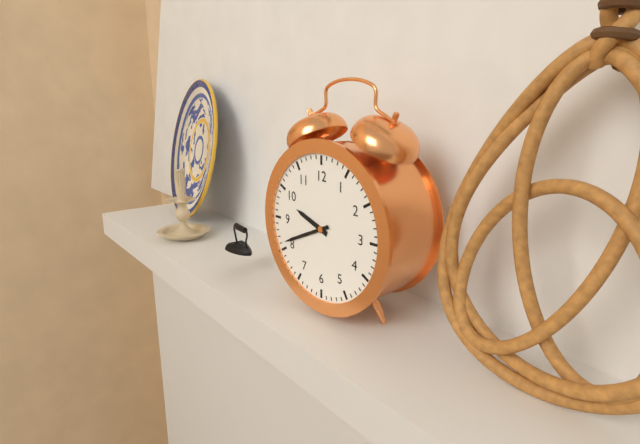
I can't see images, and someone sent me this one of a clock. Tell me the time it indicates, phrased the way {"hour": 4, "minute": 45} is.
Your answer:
{"hour": 9, "minute": 41}
